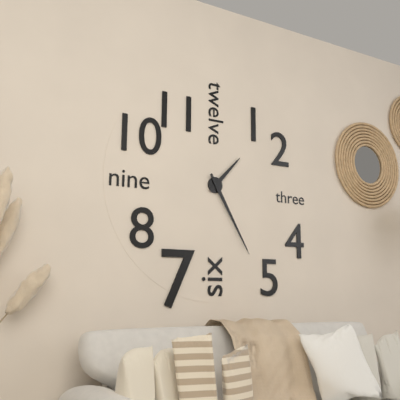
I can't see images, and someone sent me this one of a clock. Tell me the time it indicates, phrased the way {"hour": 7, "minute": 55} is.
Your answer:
{"hour": 1, "minute": 25}
